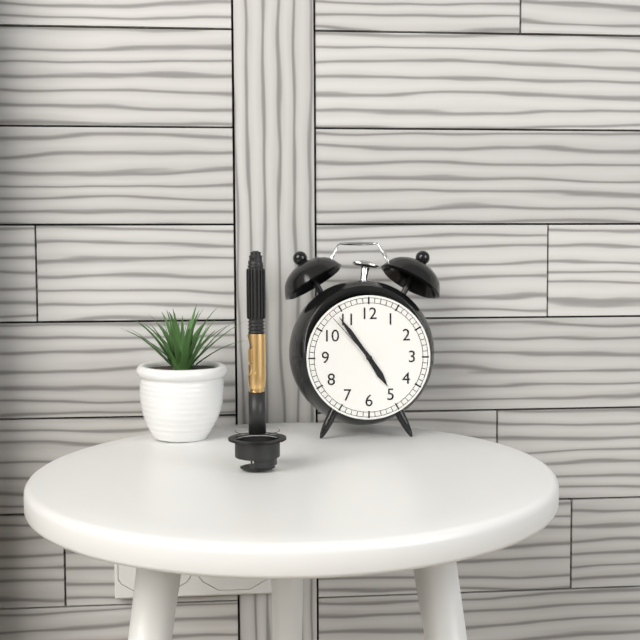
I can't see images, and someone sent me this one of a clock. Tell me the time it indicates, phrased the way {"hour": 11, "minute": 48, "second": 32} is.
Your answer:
{"hour": 4, "minute": 54, "second": 53}
